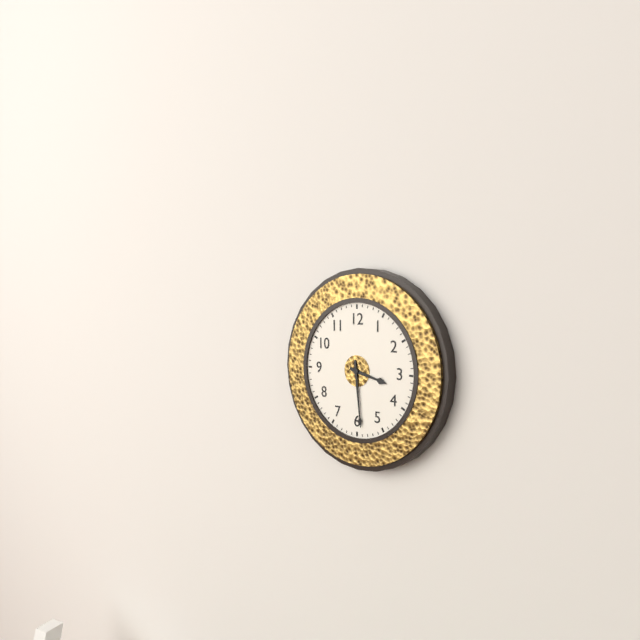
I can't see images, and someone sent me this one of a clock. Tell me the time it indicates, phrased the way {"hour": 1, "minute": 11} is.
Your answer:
{"hour": 3, "minute": 29}
